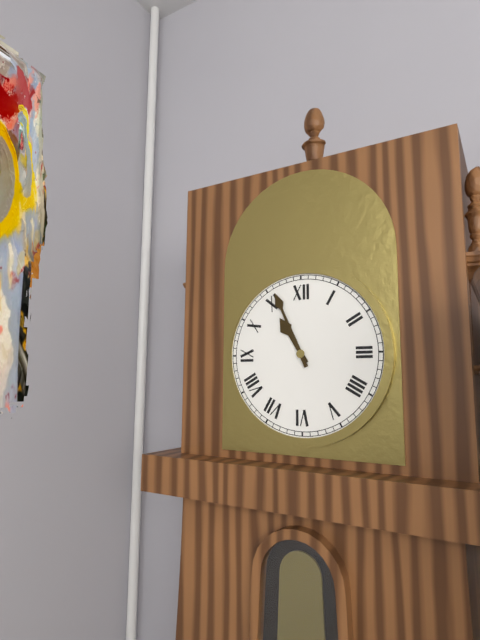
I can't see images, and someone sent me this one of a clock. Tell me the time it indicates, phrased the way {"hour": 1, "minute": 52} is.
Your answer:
{"hour": 10, "minute": 56}
